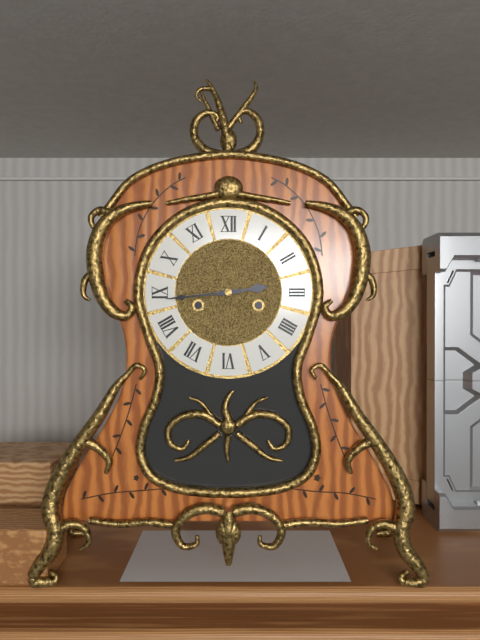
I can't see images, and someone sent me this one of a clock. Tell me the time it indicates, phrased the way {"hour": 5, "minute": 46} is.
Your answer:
{"hour": 2, "minute": 44}
